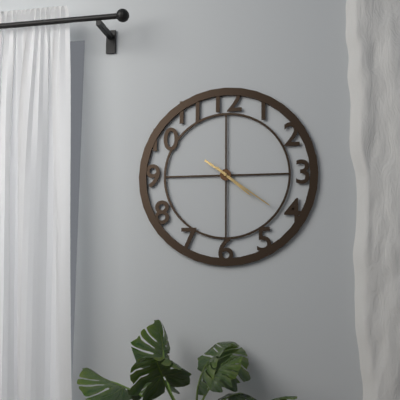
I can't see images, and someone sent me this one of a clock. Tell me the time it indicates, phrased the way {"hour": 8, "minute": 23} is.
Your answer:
{"hour": 4, "minute": 21}
